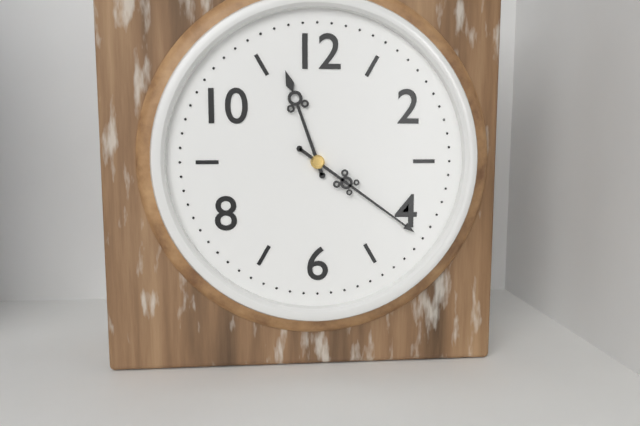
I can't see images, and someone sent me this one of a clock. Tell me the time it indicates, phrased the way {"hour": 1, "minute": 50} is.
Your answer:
{"hour": 11, "minute": 21}
